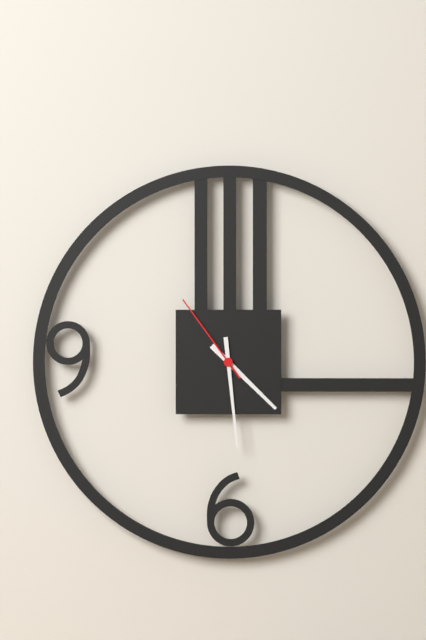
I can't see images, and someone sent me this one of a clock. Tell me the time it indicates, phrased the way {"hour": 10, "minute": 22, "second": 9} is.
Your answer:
{"hour": 4, "minute": 29, "second": 54}
